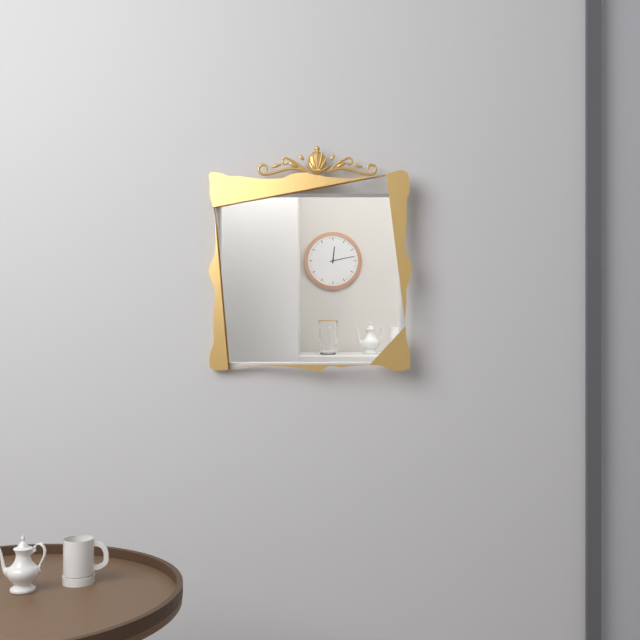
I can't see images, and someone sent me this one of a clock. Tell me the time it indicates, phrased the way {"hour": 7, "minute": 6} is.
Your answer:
{"hour": 12, "minute": 13}
